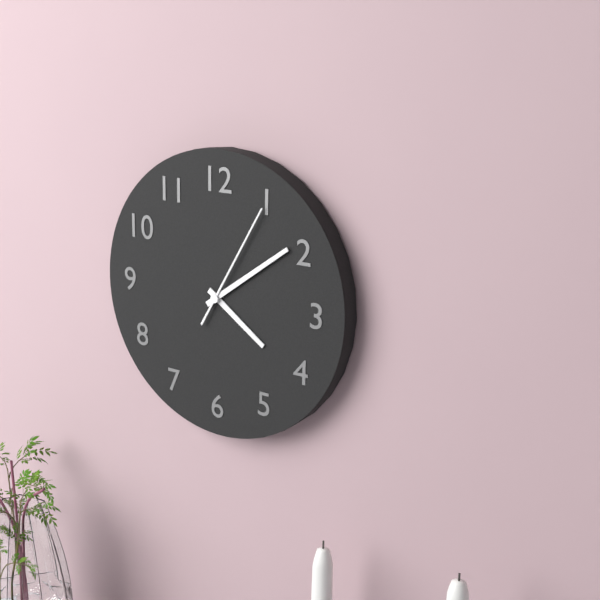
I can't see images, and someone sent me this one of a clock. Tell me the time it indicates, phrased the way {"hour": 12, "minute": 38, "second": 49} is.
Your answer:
{"hour": 4, "minute": 9, "second": 5}
